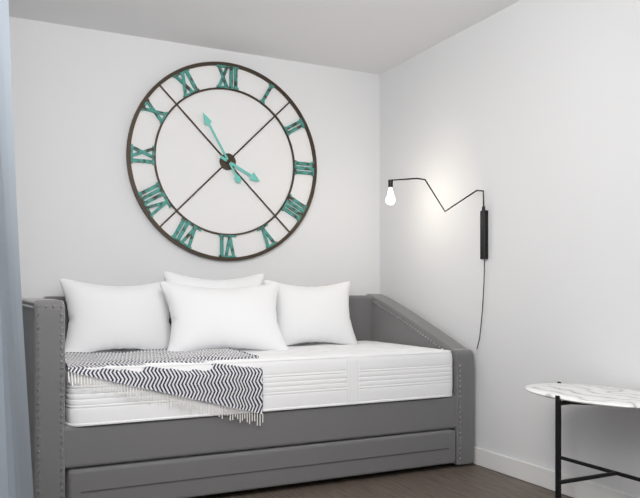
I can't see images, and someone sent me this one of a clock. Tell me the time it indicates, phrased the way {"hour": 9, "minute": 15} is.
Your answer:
{"hour": 3, "minute": 55}
